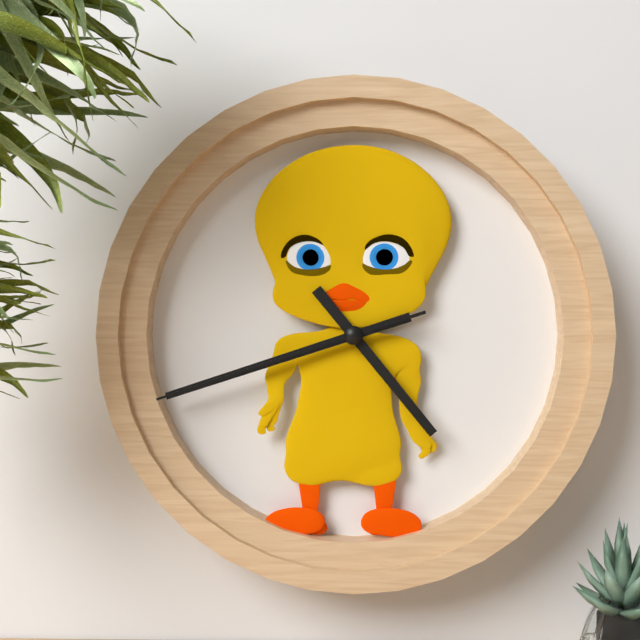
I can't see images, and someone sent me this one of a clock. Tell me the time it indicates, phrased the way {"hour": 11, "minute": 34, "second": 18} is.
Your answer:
{"hour": 4, "minute": 42, "second": 42}
